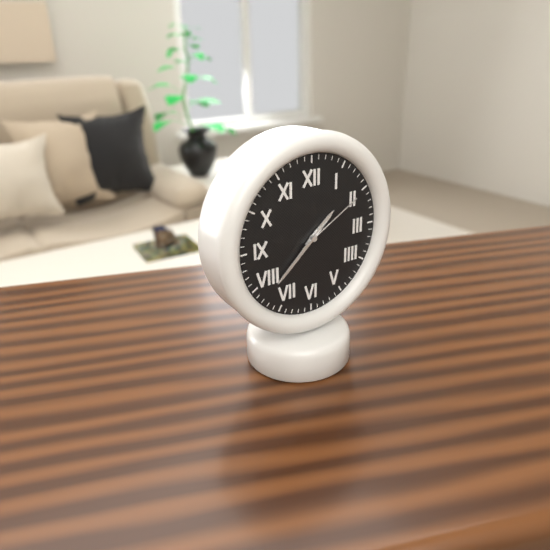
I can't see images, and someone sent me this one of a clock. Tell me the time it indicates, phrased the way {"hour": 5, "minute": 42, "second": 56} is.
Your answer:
{"hour": 1, "minute": 38, "second": 10}
